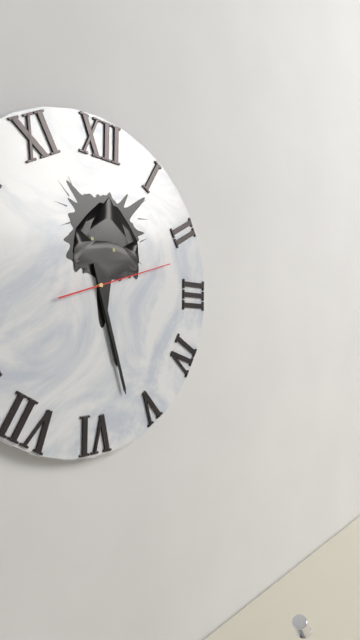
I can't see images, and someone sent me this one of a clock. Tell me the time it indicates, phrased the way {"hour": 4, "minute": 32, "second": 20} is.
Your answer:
{"hour": 5, "minute": 27, "second": 12}
